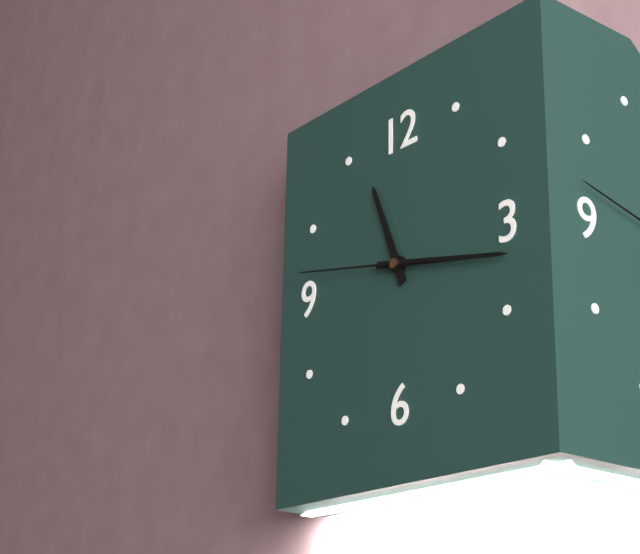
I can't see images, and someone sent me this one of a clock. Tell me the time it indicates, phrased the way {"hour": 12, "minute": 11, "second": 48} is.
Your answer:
{"hour": 11, "minute": 17, "second": 47}
